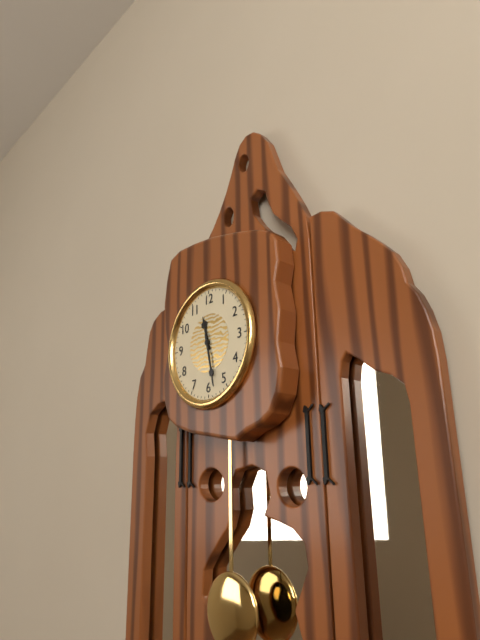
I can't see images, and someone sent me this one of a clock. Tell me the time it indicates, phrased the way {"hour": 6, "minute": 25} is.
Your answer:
{"hour": 11, "minute": 28}
